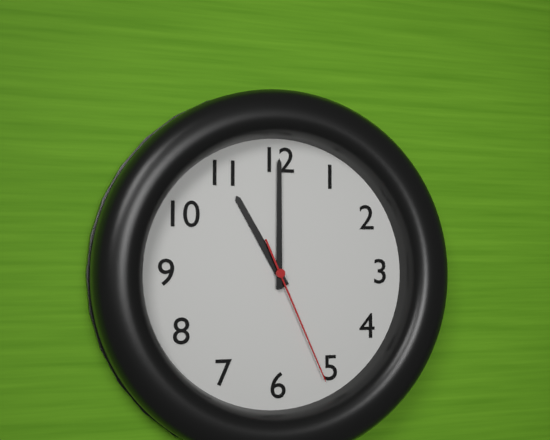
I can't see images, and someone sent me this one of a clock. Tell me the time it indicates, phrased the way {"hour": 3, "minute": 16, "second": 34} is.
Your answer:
{"hour": 11, "minute": 0, "second": 26}
